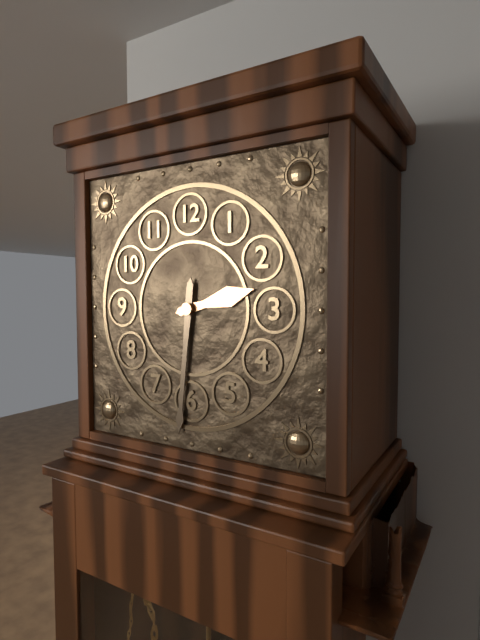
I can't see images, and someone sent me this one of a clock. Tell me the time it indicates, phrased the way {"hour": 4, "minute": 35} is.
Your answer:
{"hour": 2, "minute": 31}
